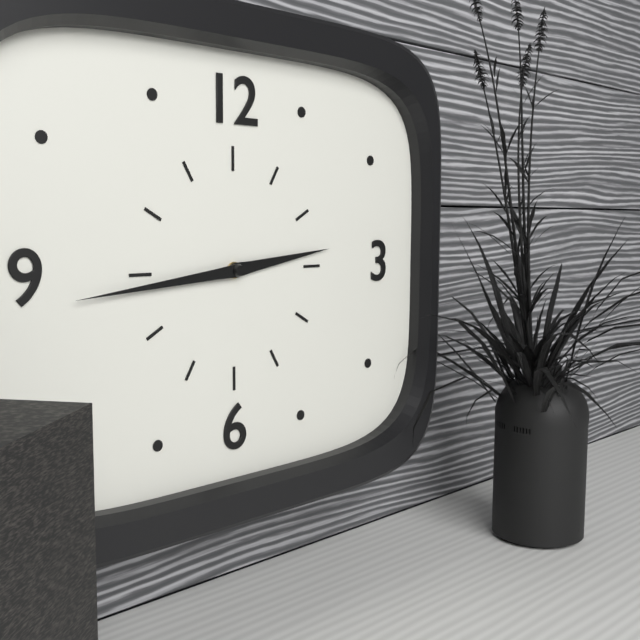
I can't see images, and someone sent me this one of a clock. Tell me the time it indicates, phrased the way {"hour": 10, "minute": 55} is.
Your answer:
{"hour": 2, "minute": 44}
